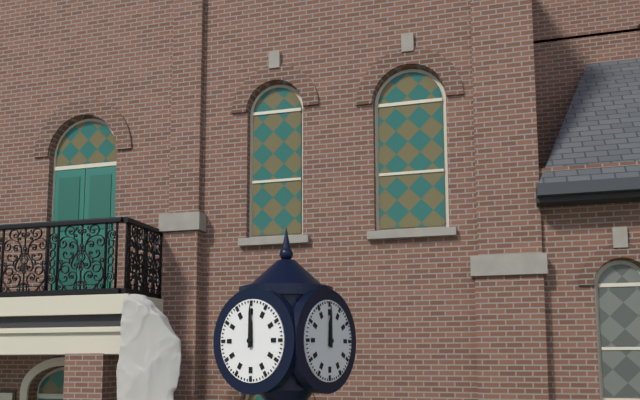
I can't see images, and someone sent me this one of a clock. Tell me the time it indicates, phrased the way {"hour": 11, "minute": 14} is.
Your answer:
{"hour": 12, "minute": 0}
